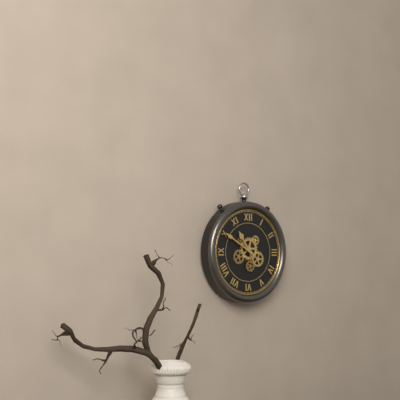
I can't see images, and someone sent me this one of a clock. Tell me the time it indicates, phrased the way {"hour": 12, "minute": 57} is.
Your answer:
{"hour": 10, "minute": 50}
